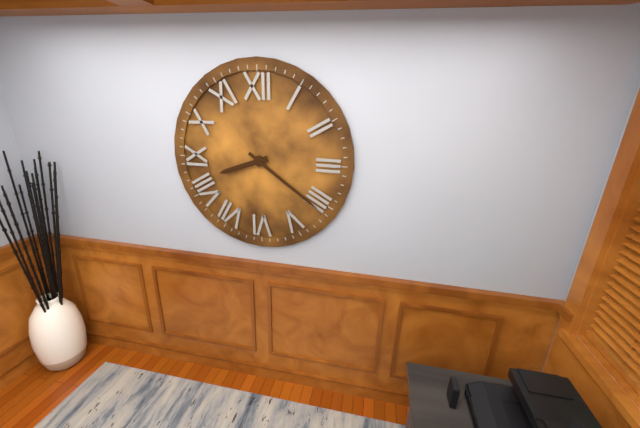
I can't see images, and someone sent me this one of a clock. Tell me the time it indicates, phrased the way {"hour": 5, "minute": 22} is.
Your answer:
{"hour": 8, "minute": 21}
